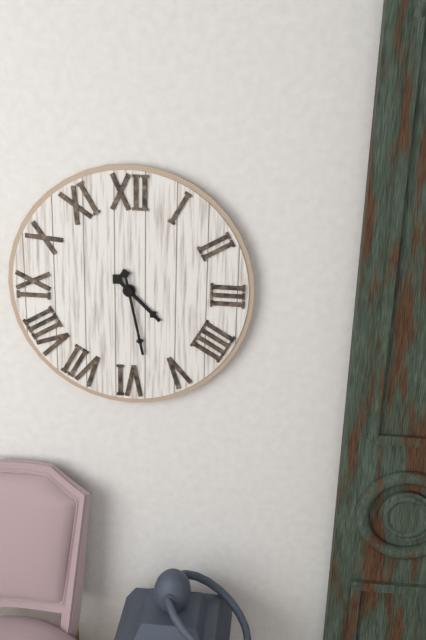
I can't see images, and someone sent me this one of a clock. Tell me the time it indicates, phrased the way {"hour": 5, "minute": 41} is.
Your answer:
{"hour": 4, "minute": 28}
